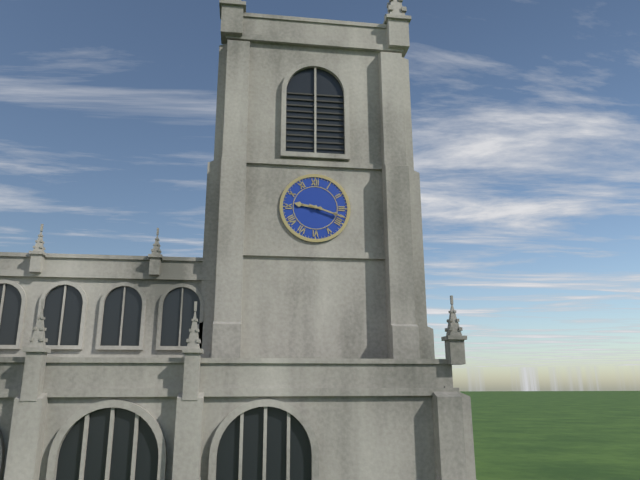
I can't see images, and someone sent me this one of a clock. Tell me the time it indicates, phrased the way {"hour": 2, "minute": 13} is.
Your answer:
{"hour": 9, "minute": 18}
